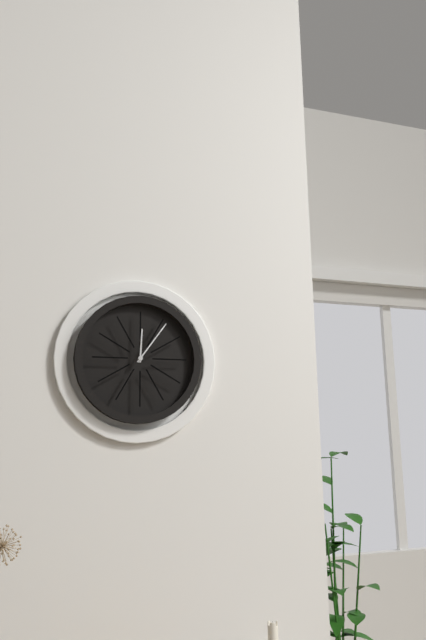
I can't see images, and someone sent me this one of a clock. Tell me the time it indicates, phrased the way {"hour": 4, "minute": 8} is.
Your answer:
{"hour": 12, "minute": 6}
